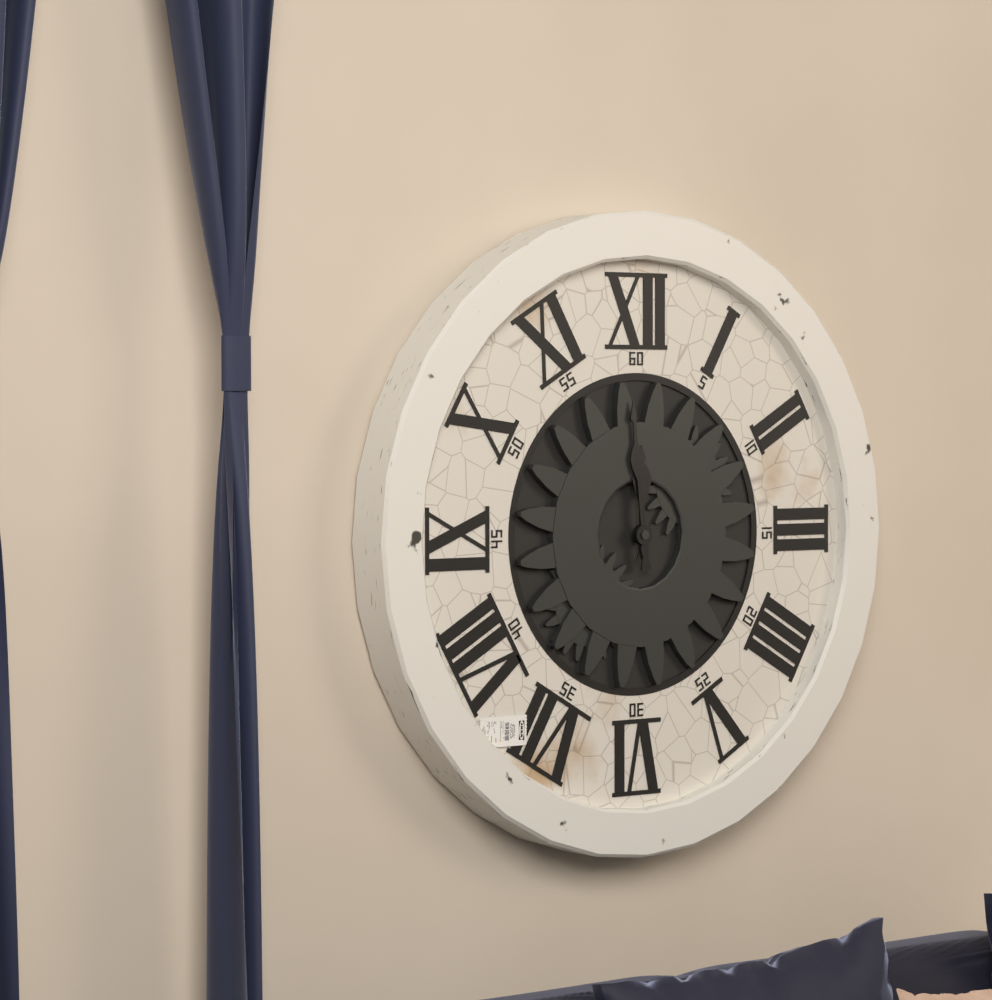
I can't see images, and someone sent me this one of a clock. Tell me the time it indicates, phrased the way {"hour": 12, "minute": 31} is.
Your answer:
{"hour": 11, "minute": 59}
